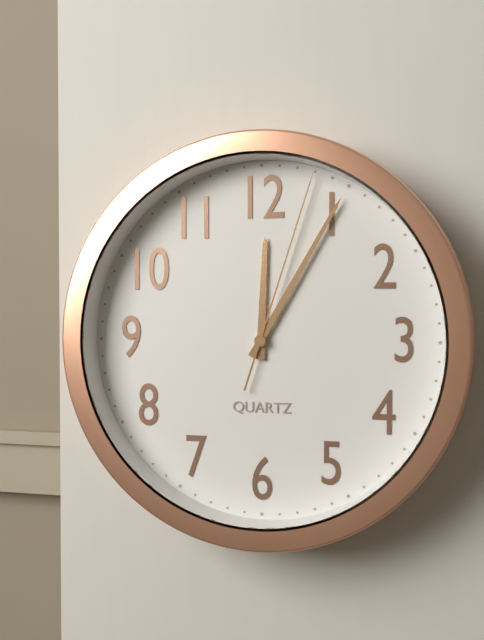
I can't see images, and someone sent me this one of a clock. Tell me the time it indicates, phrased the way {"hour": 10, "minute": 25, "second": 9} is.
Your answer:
{"hour": 12, "minute": 5, "second": 3}
